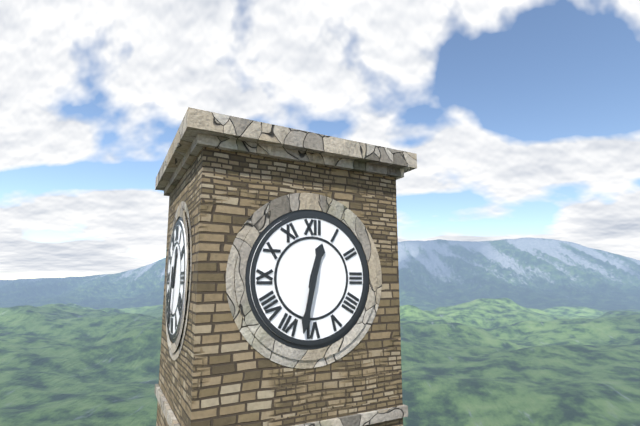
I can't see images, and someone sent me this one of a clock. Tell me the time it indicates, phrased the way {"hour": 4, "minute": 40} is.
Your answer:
{"hour": 12, "minute": 32}
